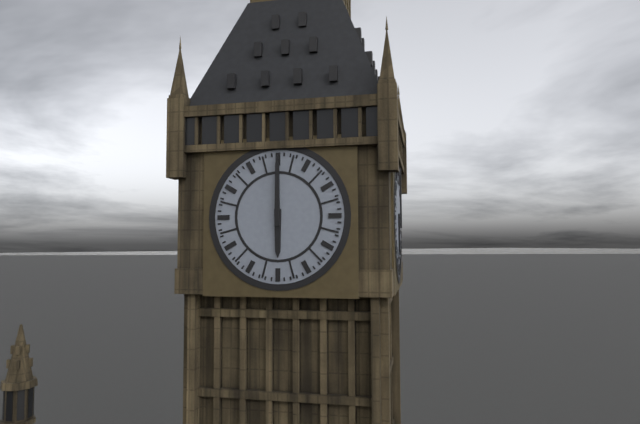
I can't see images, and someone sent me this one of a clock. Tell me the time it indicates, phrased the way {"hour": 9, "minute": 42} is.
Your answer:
{"hour": 6, "minute": 0}
